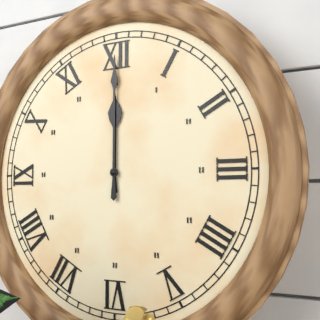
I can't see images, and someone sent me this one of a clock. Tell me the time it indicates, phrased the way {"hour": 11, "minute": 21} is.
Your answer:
{"hour": 12, "minute": 0}
